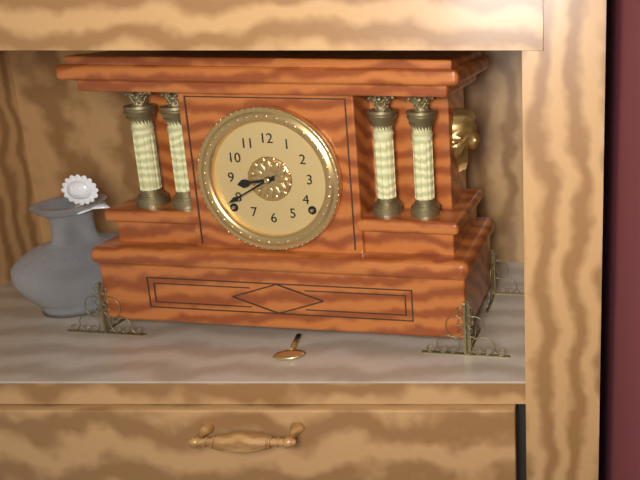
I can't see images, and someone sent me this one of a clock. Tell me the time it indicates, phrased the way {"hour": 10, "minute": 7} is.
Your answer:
{"hour": 8, "minute": 40}
